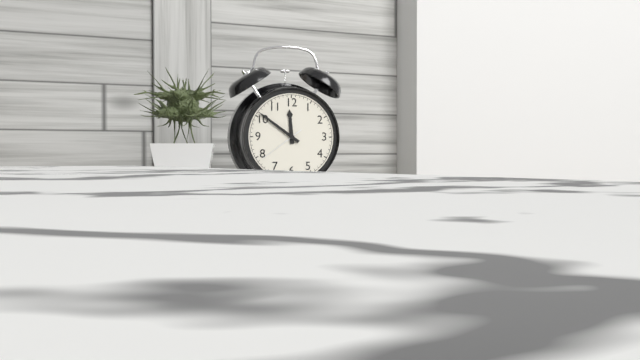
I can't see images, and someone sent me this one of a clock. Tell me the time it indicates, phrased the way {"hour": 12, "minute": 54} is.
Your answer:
{"hour": 11, "minute": 51}
